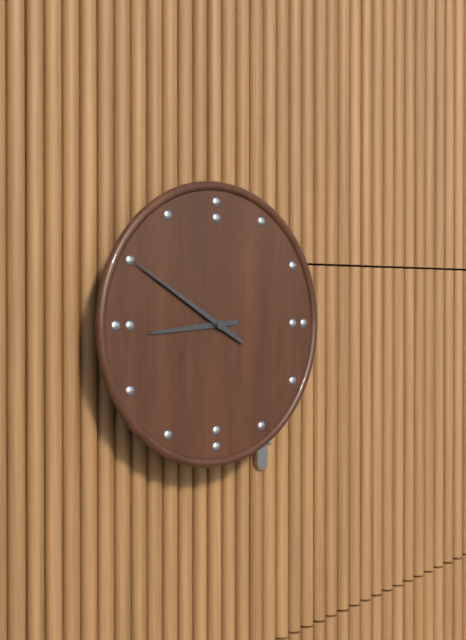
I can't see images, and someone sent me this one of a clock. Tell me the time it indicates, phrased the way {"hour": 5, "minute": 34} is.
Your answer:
{"hour": 8, "minute": 50}
